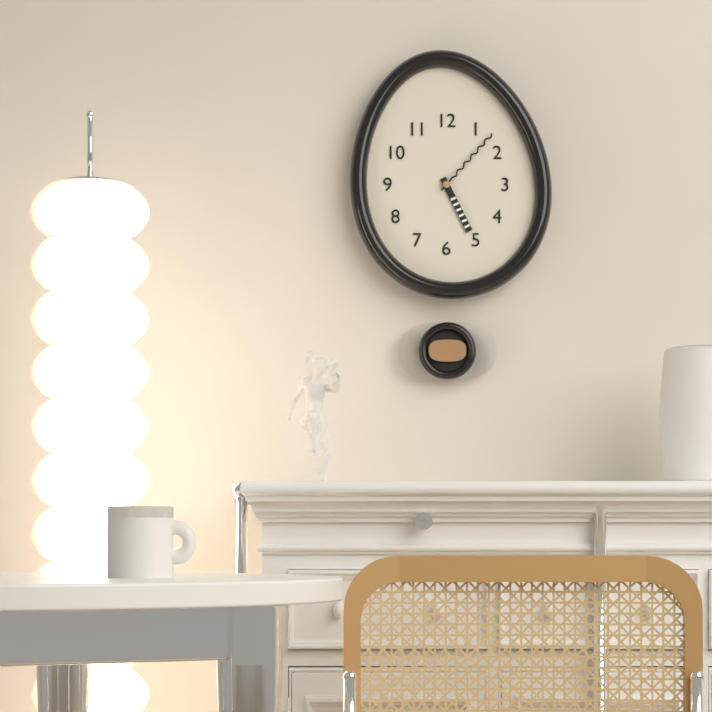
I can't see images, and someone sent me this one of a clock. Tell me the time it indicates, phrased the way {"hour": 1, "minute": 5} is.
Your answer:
{"hour": 5, "minute": 7}
